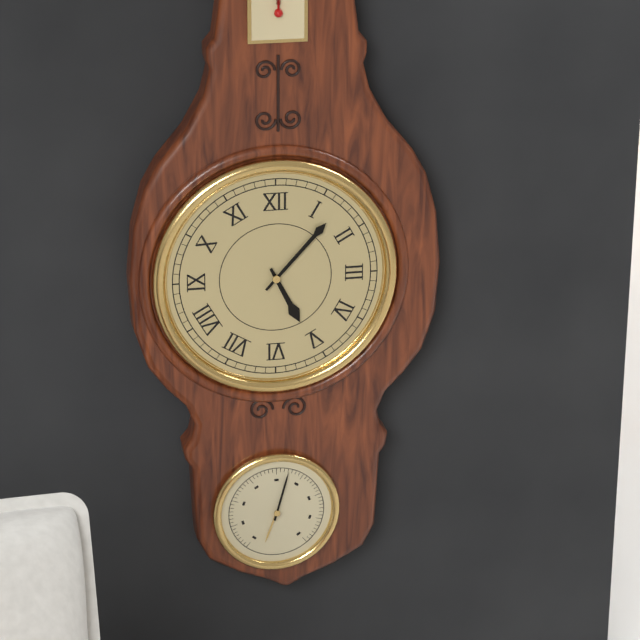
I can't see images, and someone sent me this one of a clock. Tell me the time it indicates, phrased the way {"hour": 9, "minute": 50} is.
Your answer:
{"hour": 5, "minute": 7}
